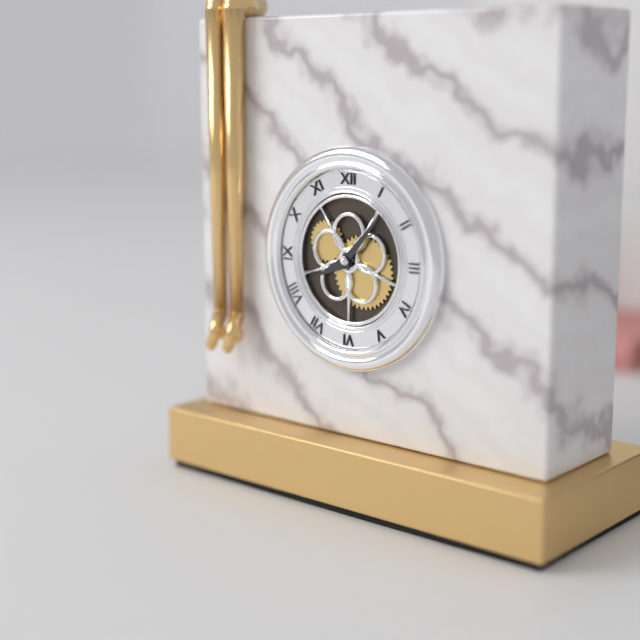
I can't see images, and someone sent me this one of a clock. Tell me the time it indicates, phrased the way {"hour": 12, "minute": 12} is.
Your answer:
{"hour": 8, "minute": 7}
